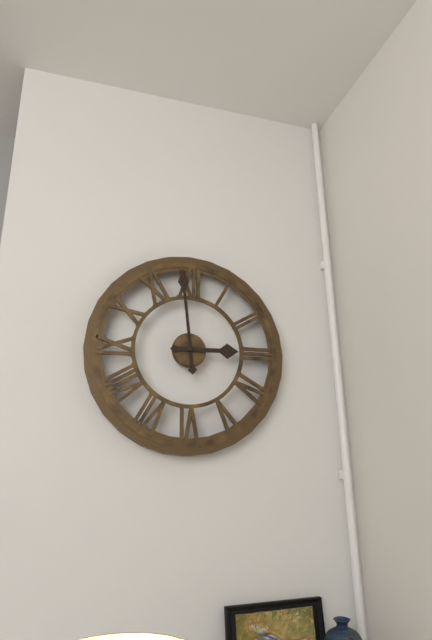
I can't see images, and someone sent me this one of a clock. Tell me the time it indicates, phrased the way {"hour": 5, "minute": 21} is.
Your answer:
{"hour": 2, "minute": 59}
